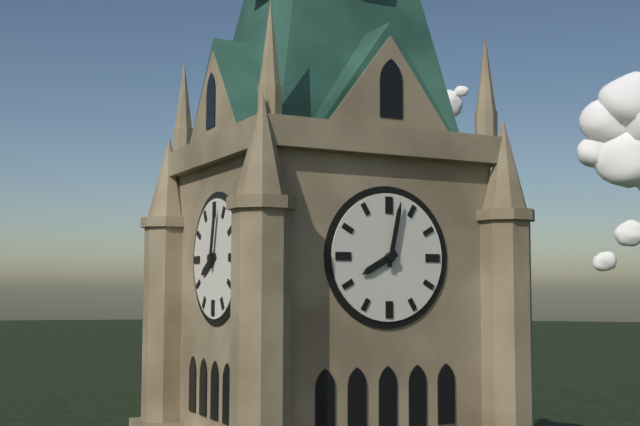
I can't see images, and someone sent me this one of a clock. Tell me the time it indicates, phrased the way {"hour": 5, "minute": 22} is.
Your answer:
{"hour": 8, "minute": 2}
